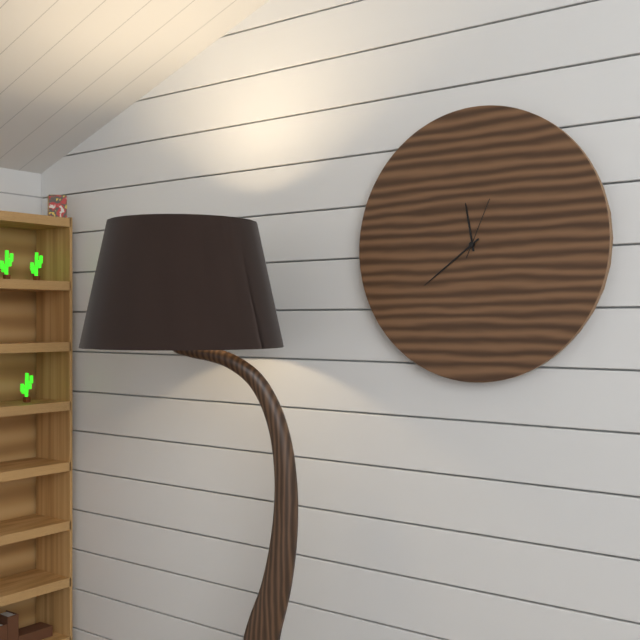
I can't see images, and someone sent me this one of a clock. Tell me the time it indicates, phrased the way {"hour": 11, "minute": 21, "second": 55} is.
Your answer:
{"hour": 11, "minute": 39, "second": 4}
